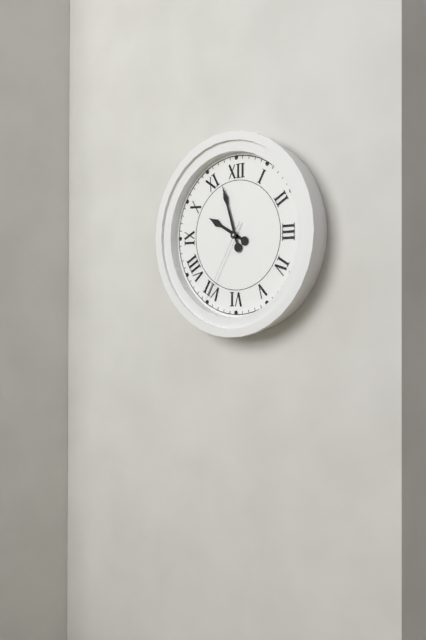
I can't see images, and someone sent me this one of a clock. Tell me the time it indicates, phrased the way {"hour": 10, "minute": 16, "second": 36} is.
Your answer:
{"hour": 9, "minute": 57, "second": 35}
